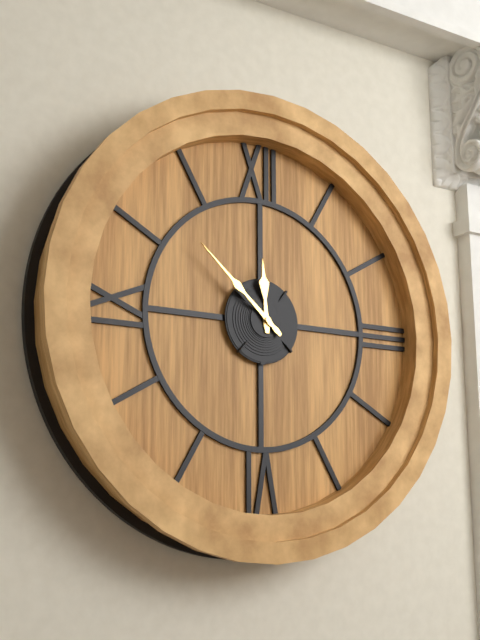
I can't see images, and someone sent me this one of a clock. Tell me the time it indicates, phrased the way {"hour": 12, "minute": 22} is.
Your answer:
{"hour": 11, "minute": 52}
